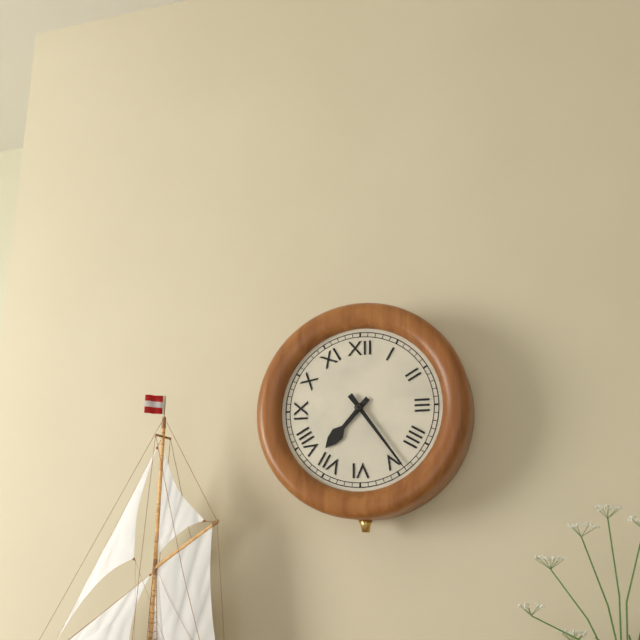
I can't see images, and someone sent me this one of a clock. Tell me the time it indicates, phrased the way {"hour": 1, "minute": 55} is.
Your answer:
{"hour": 7, "minute": 24}
